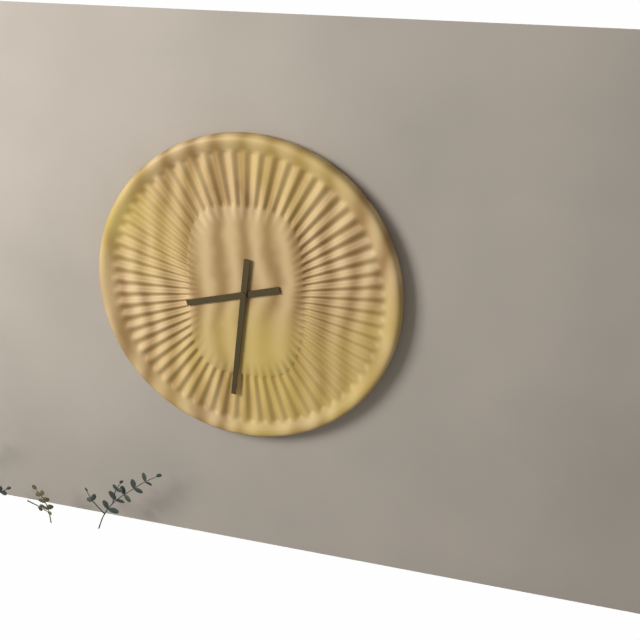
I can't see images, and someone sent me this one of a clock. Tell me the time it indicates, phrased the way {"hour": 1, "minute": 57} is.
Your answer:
{"hour": 8, "minute": 31}
